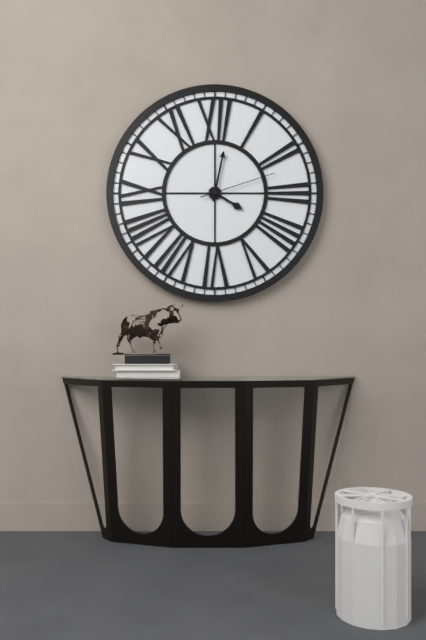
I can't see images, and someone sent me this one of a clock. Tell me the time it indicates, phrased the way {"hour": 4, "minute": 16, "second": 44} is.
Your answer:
{"hour": 4, "minute": 2, "second": 12}
